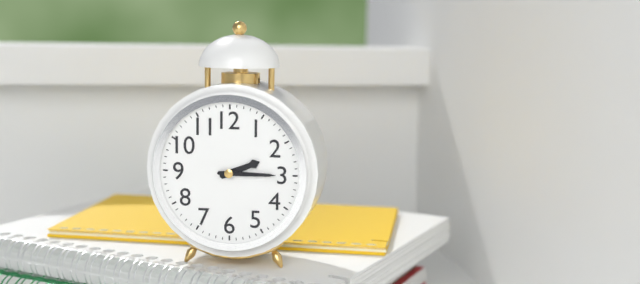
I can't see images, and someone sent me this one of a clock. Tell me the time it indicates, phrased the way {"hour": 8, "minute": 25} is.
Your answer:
{"hour": 2, "minute": 15}
